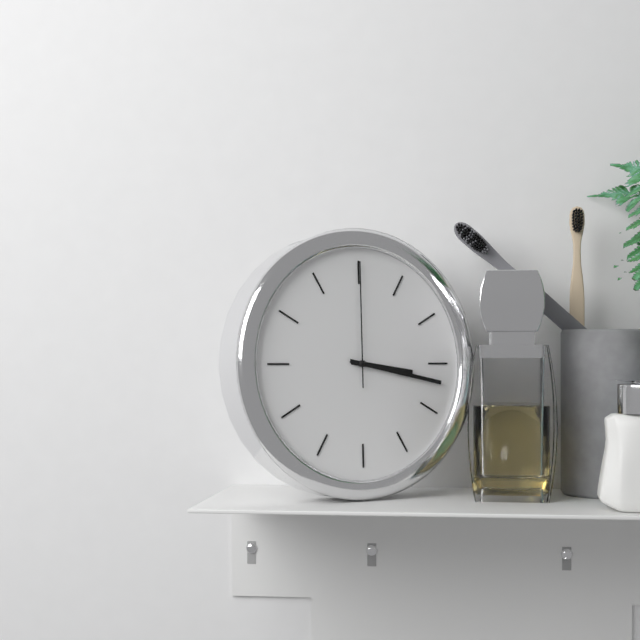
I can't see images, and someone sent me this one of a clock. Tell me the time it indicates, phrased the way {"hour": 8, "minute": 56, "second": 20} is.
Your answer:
{"hour": 3, "minute": 17, "second": 0}
